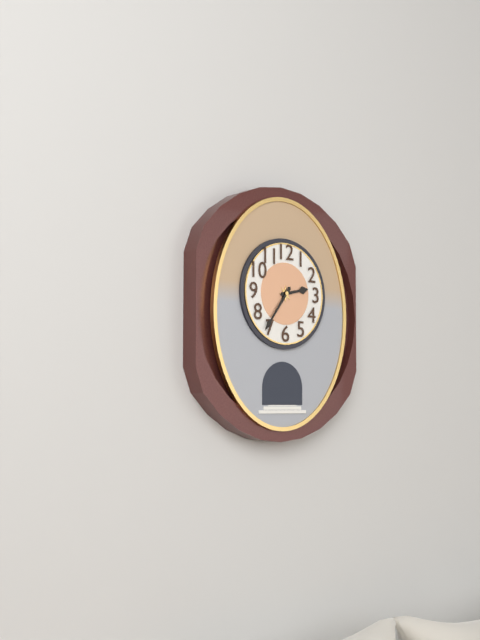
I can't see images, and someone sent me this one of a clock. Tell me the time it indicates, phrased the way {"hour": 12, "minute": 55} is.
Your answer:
{"hour": 2, "minute": 36}
